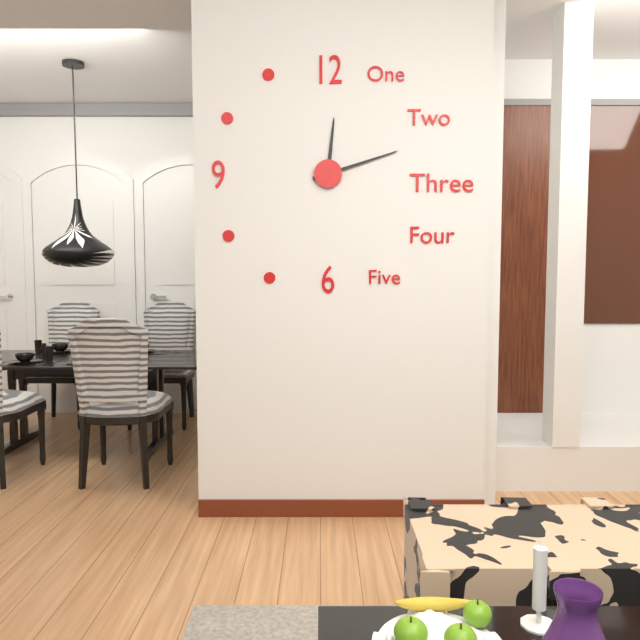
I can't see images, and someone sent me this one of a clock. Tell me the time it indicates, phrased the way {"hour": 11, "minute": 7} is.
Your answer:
{"hour": 12, "minute": 12}
